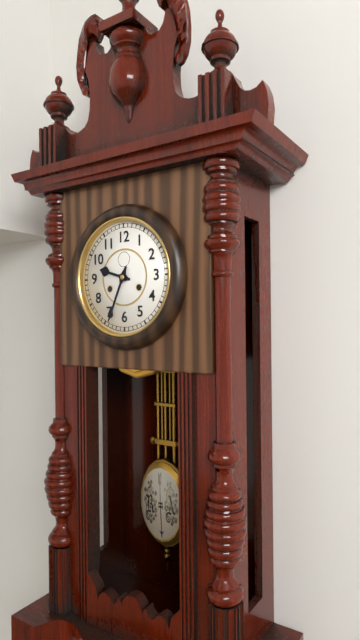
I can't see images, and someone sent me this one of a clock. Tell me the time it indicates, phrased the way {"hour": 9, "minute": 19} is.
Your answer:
{"hour": 9, "minute": 34}
